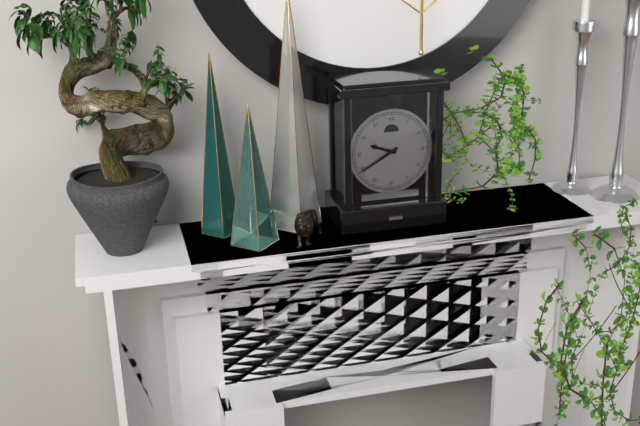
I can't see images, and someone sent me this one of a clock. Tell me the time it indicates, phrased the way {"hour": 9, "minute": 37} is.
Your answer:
{"hour": 9, "minute": 40}
